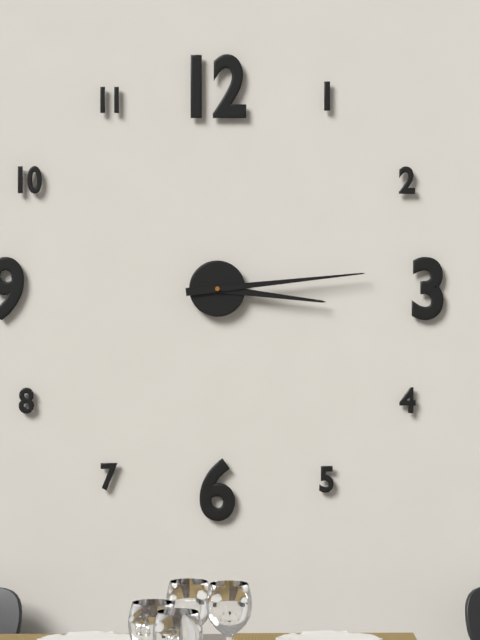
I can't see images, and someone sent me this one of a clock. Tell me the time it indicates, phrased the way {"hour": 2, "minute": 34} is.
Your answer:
{"hour": 3, "minute": 14}
